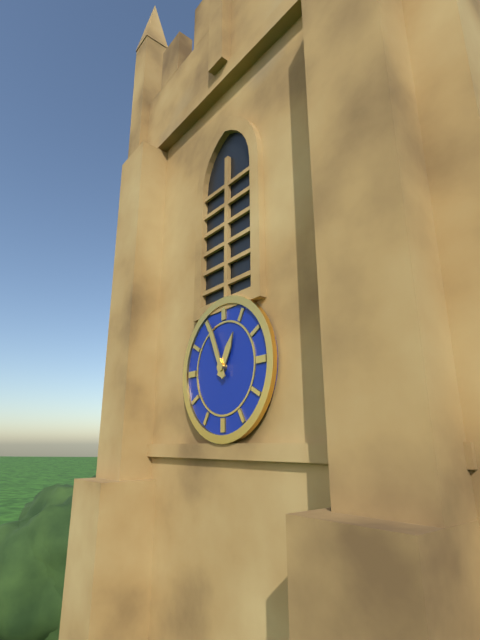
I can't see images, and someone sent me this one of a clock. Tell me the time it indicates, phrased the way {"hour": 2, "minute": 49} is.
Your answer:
{"hour": 12, "minute": 56}
